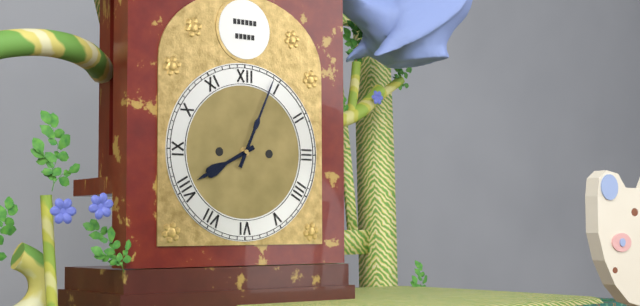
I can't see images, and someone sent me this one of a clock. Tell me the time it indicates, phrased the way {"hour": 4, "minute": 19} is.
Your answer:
{"hour": 8, "minute": 4}
